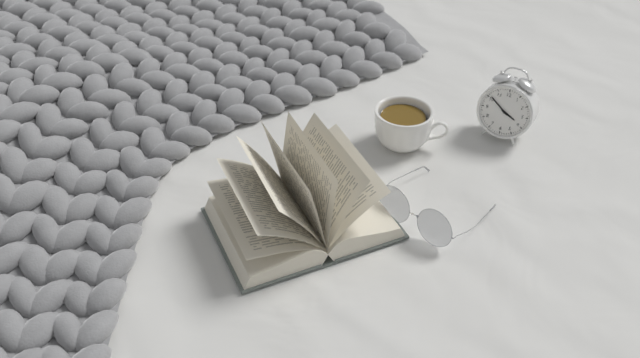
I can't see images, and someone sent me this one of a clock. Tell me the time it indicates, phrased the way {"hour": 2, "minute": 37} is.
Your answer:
{"hour": 3, "minute": 51}
